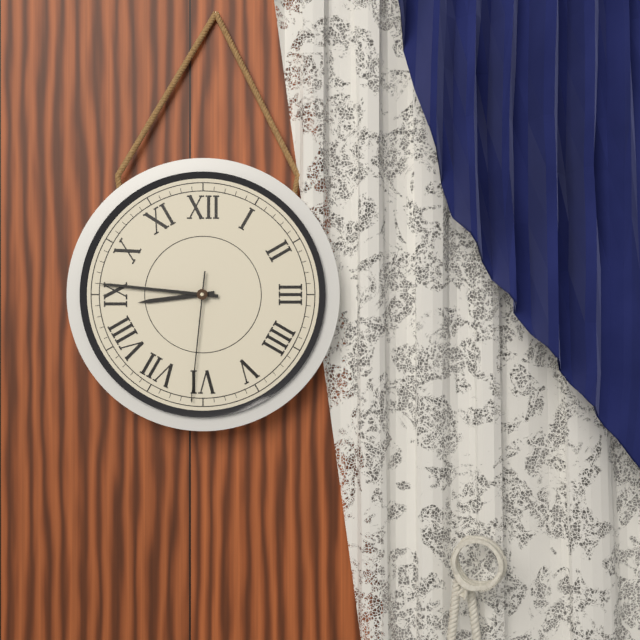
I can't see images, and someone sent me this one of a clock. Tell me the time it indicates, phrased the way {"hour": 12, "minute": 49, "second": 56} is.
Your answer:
{"hour": 8, "minute": 46, "second": 31}
